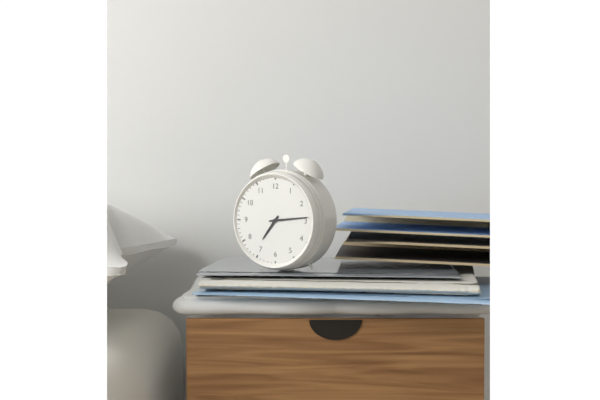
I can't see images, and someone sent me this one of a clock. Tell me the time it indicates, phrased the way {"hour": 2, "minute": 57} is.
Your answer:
{"hour": 7, "minute": 14}
